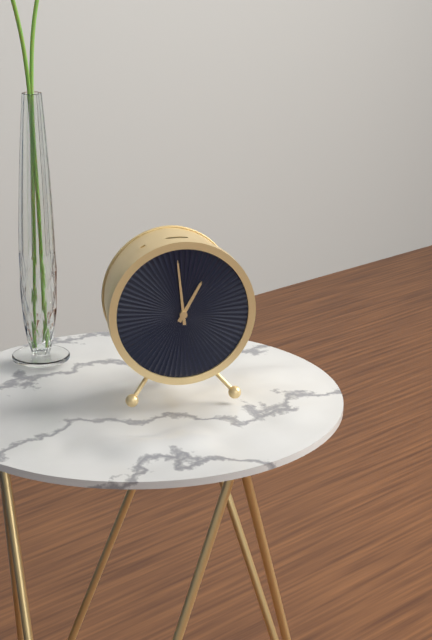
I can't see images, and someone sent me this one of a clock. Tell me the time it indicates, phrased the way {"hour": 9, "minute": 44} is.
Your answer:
{"hour": 12, "minute": 59}
